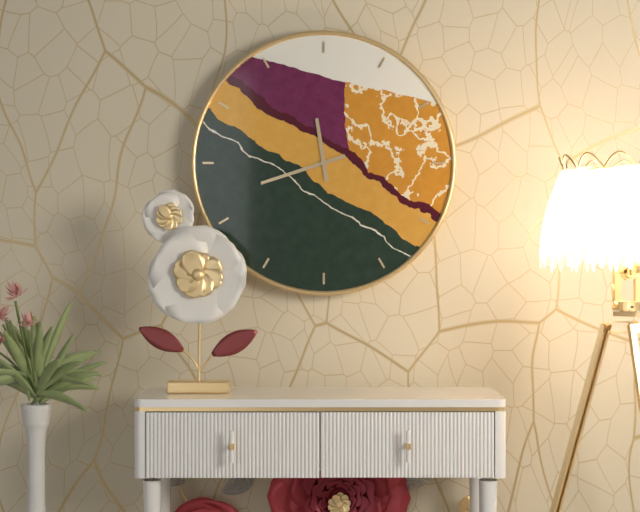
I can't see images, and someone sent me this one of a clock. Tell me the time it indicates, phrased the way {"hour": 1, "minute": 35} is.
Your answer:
{"hour": 11, "minute": 42}
